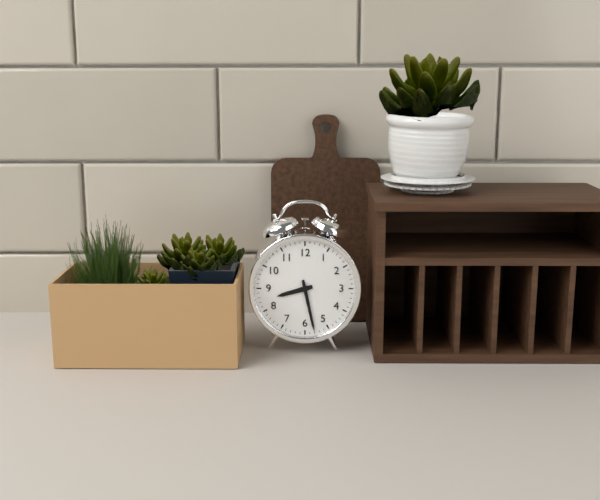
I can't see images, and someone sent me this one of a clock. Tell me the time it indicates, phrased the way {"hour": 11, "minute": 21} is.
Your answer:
{"hour": 8, "minute": 28}
